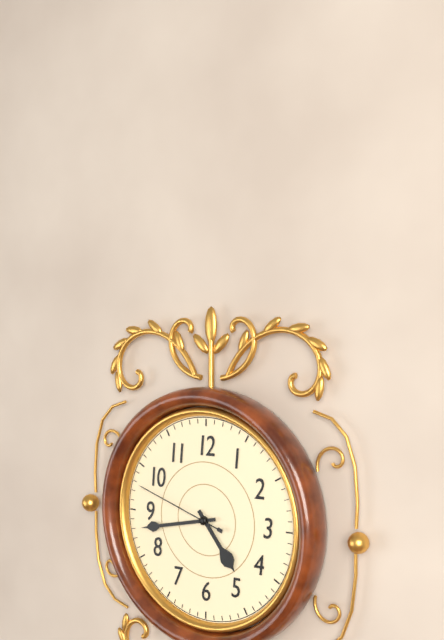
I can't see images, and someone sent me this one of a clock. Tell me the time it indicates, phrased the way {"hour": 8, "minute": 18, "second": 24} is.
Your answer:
{"hour": 4, "minute": 43, "second": 48}
